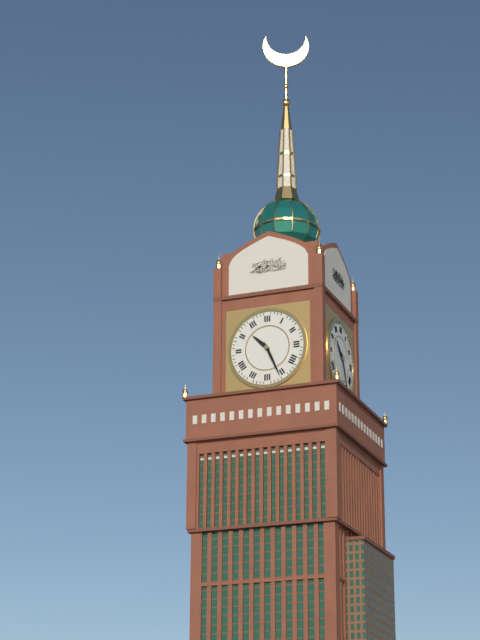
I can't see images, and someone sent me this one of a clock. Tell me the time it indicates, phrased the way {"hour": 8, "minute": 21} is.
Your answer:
{"hour": 10, "minute": 26}
